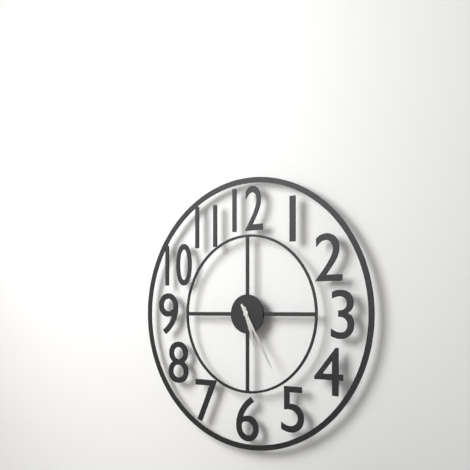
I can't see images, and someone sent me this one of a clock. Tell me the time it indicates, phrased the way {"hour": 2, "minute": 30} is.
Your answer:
{"hour": 5, "minute": 25}
